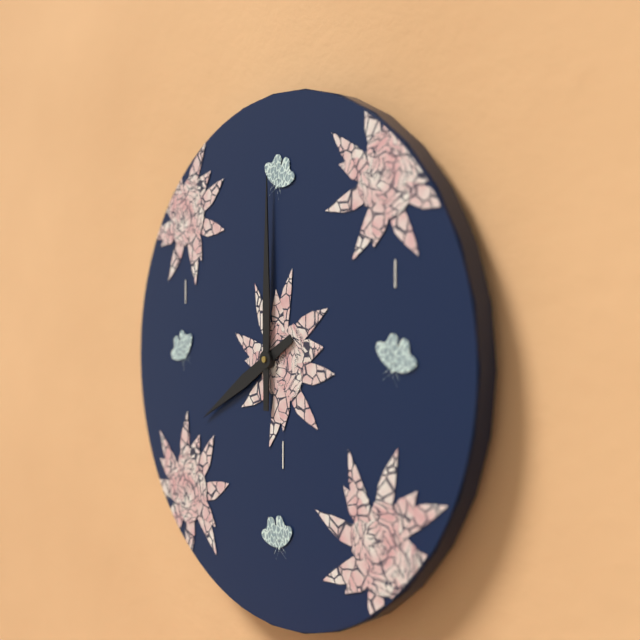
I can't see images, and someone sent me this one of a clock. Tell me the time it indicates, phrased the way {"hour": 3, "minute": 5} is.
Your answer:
{"hour": 8, "minute": 0}
